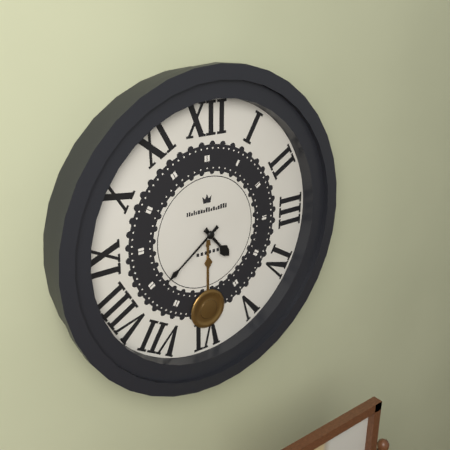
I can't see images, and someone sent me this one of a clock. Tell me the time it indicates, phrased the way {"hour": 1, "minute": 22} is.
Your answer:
{"hour": 4, "minute": 39}
